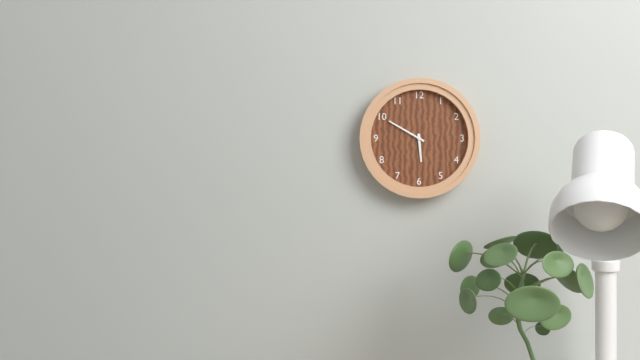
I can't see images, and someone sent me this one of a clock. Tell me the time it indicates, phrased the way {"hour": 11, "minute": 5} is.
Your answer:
{"hour": 5, "minute": 50}
